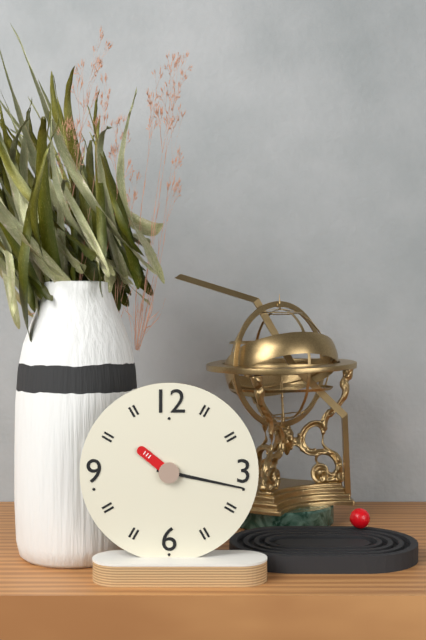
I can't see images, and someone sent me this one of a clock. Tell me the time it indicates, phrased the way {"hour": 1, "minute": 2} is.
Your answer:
{"hour": 10, "minute": 17}
